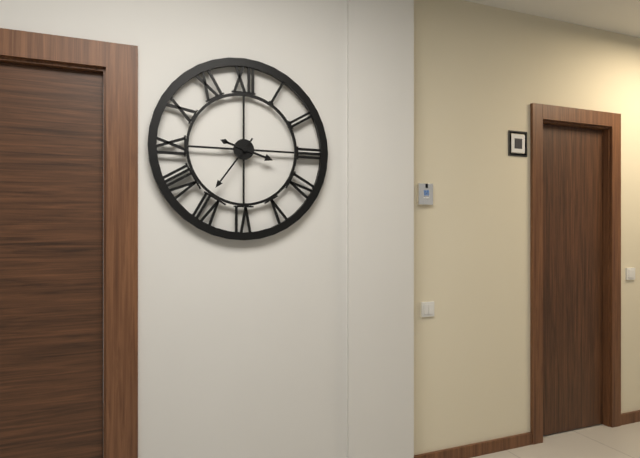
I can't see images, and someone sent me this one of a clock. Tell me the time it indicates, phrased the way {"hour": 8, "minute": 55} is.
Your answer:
{"hour": 3, "minute": 36}
